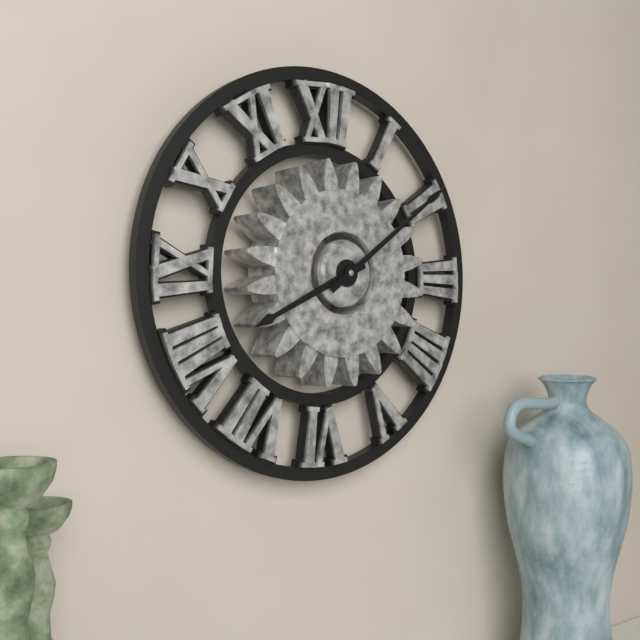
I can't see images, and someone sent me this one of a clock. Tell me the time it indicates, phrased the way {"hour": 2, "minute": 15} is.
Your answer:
{"hour": 8, "minute": 9}
